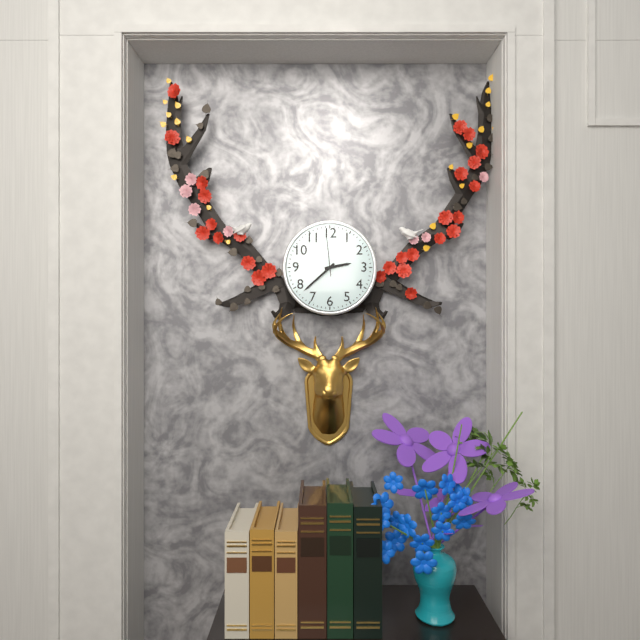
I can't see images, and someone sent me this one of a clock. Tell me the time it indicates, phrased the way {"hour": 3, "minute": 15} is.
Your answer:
{"hour": 2, "minute": 38}
